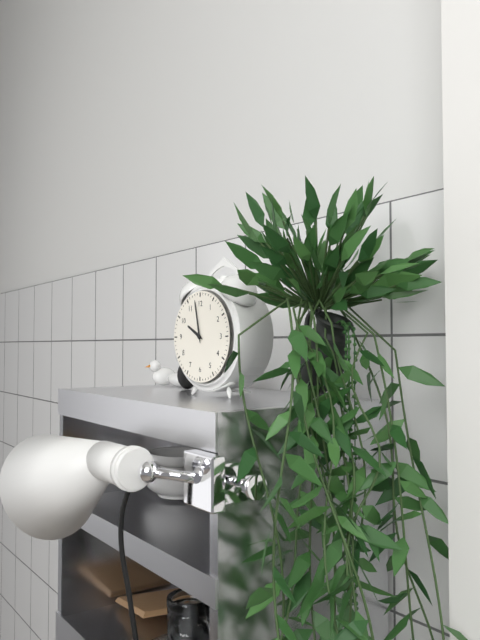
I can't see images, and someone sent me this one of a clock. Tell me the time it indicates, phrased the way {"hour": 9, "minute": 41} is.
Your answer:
{"hour": 9, "minute": 58}
